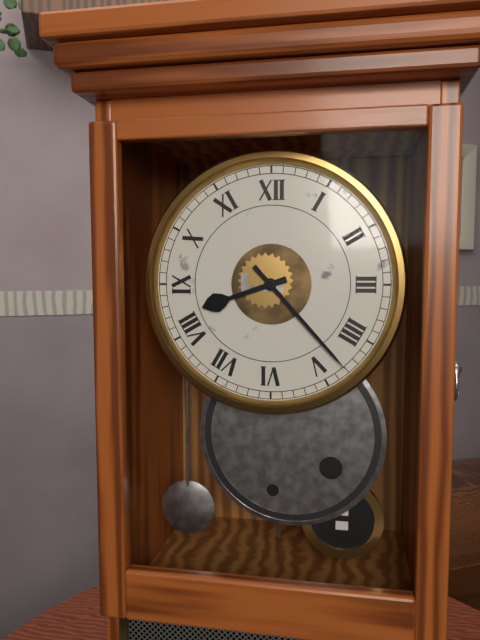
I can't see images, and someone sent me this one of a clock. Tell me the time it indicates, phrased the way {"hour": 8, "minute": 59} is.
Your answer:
{"hour": 8, "minute": 23}
